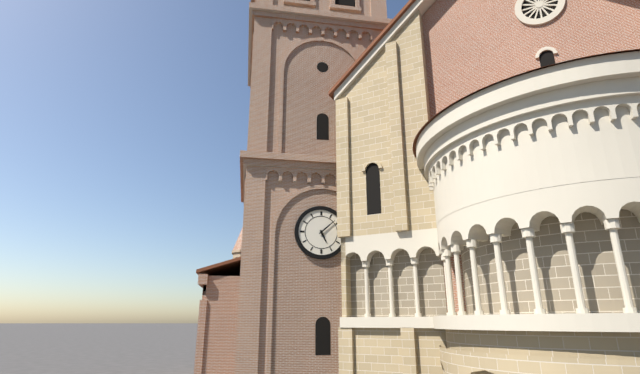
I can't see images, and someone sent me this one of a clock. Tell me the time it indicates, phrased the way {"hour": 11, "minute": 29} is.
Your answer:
{"hour": 5, "minute": 8}
